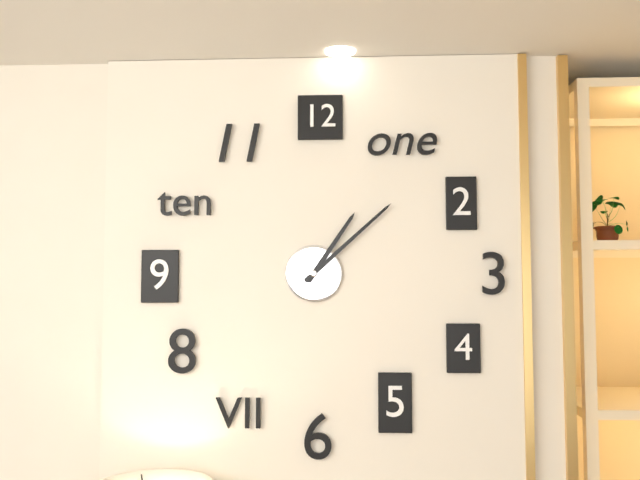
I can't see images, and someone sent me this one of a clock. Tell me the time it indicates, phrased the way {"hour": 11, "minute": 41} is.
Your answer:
{"hour": 1, "minute": 8}
